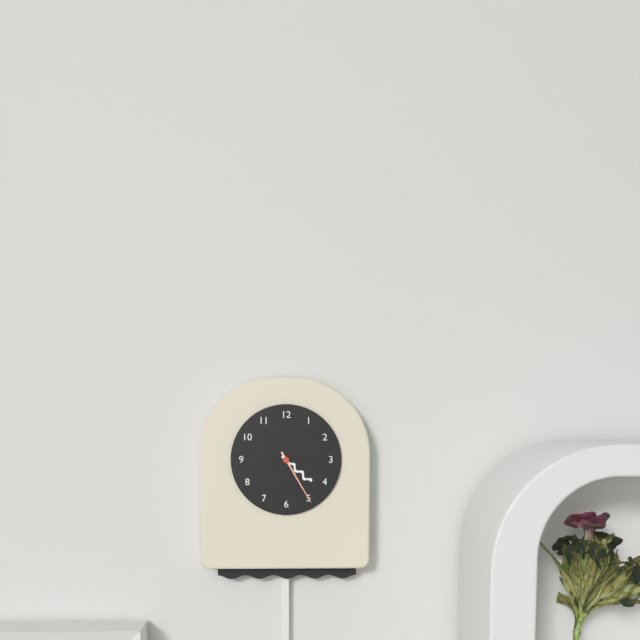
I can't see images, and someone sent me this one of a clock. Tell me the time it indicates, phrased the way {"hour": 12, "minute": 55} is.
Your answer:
{"hour": 4, "minute": 25}
